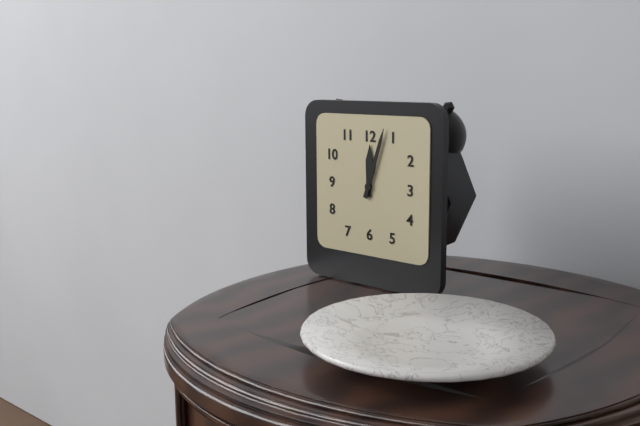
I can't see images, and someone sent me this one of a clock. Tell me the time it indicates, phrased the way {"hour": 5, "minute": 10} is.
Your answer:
{"hour": 12, "minute": 3}
